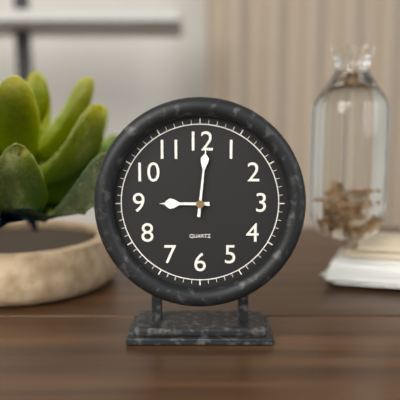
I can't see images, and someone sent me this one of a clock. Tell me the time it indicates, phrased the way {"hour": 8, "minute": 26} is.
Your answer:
{"hour": 9, "minute": 1}
